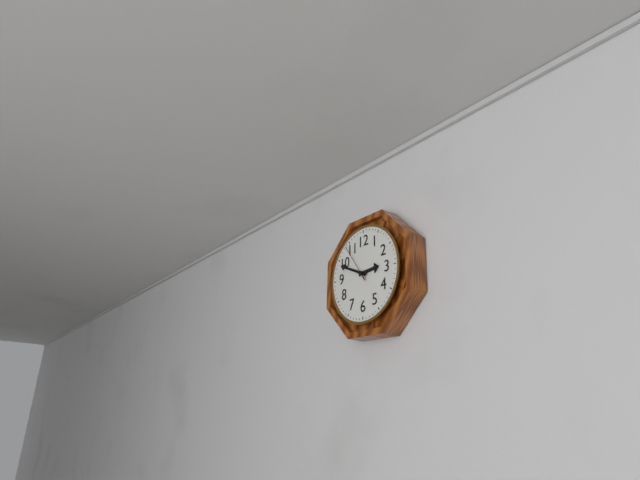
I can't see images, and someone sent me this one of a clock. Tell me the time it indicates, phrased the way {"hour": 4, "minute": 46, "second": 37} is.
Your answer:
{"hour": 2, "minute": 49, "second": 54}
